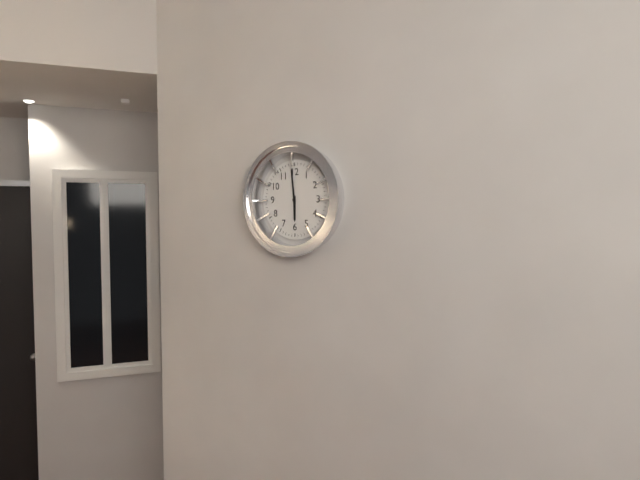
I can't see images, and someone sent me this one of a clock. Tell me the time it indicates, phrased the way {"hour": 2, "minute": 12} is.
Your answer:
{"hour": 5, "minute": 59}
